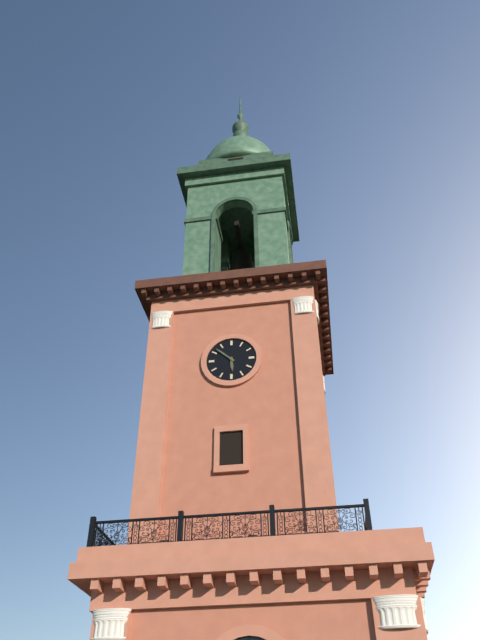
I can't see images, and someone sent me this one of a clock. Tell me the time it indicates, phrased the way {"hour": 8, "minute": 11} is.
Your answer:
{"hour": 5, "minute": 52}
